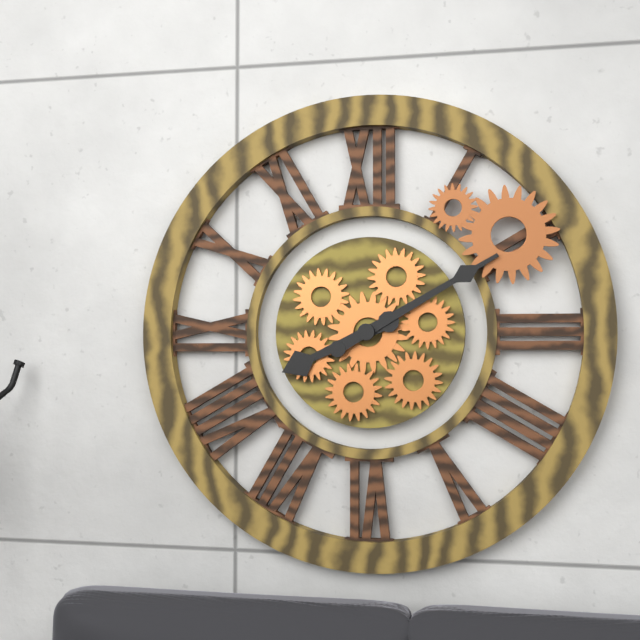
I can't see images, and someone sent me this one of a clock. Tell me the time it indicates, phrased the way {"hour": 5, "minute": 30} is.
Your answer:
{"hour": 8, "minute": 10}
